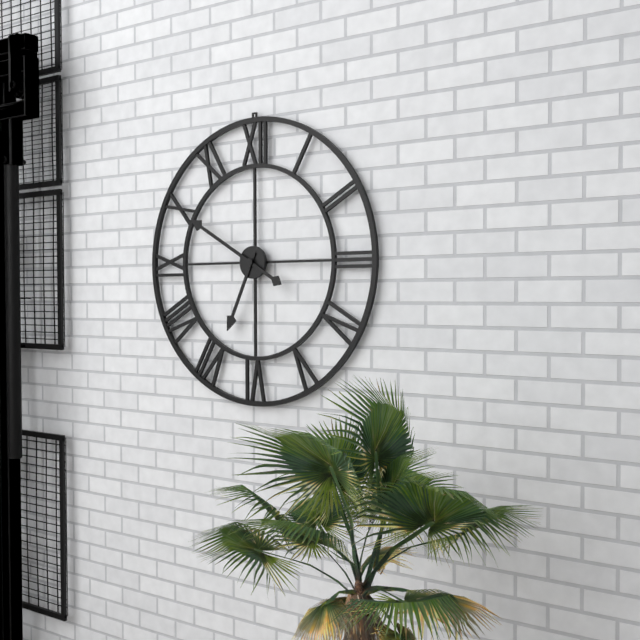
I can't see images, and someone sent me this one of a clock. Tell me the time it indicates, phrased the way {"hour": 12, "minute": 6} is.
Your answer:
{"hour": 6, "minute": 50}
